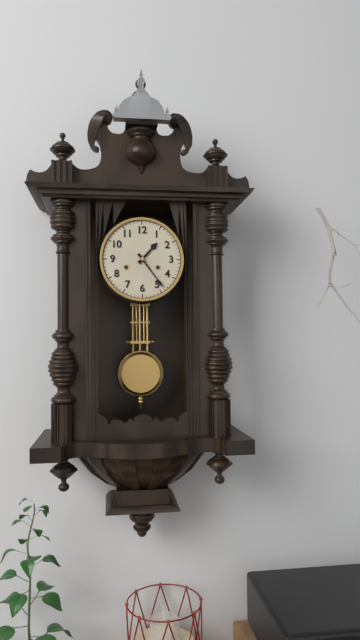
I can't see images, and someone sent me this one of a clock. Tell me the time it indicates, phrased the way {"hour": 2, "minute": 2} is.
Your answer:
{"hour": 1, "minute": 24}
